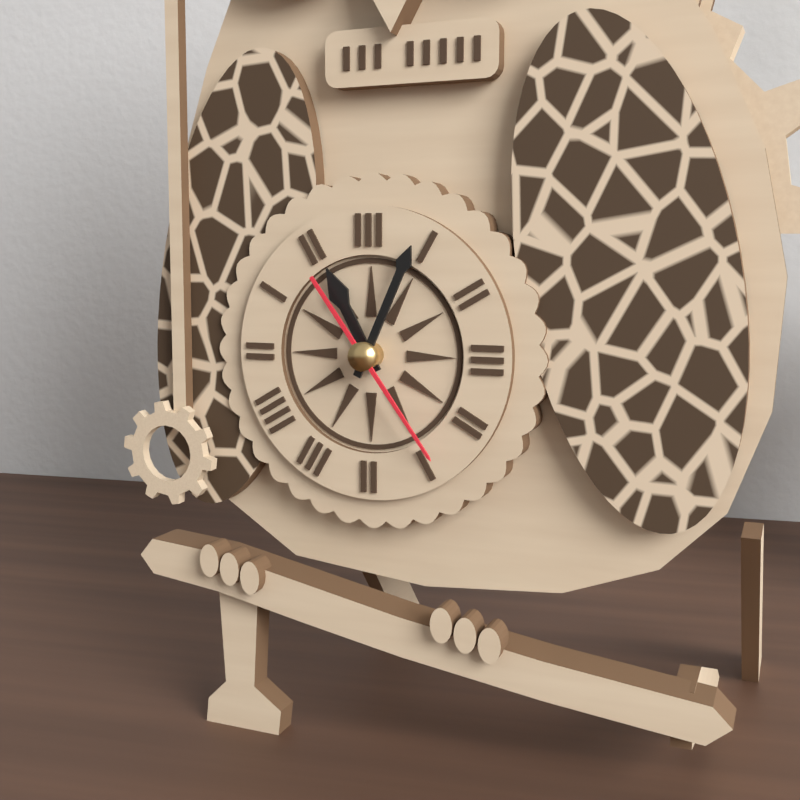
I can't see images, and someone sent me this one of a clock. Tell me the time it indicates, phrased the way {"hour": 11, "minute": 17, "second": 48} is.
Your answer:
{"hour": 11, "minute": 4, "second": 24}
